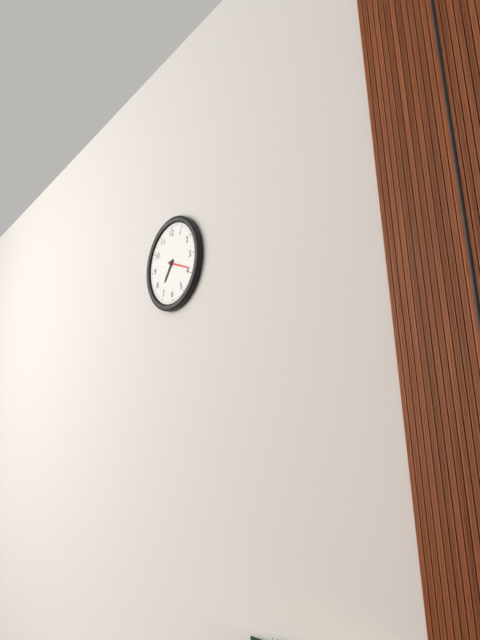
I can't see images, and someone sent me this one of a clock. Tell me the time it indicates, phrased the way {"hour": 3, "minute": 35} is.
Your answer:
{"hour": 7, "minute": 19}
